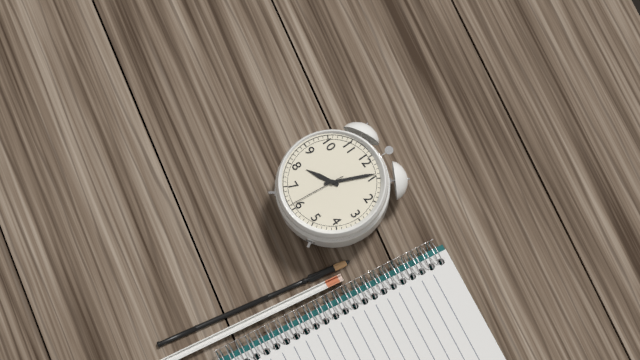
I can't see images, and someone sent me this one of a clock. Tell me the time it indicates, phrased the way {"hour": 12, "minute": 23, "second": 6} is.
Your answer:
{"hour": 8, "minute": 4, "second": 31}
